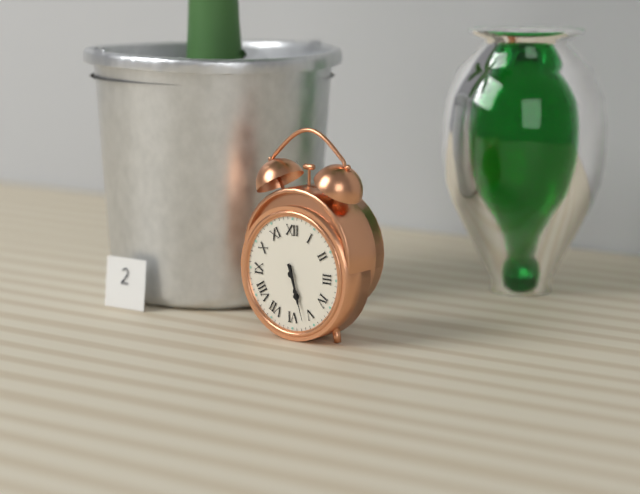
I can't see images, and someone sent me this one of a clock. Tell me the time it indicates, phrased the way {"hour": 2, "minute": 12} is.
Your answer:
{"hour": 5, "minute": 27}
